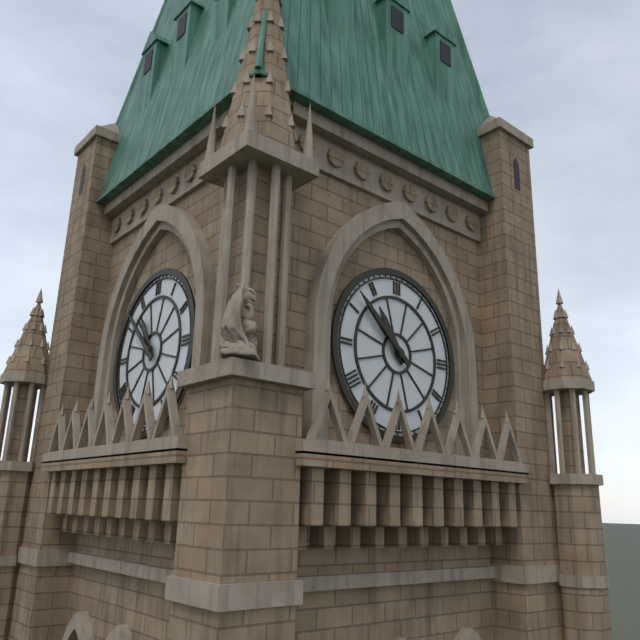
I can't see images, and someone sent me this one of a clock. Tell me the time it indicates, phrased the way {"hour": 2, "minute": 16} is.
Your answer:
{"hour": 10, "minute": 52}
